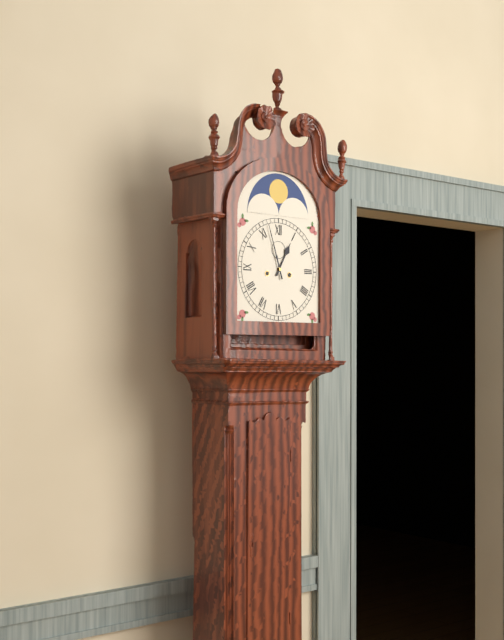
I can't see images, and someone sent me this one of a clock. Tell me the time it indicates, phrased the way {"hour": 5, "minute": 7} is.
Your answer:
{"hour": 12, "minute": 57}
